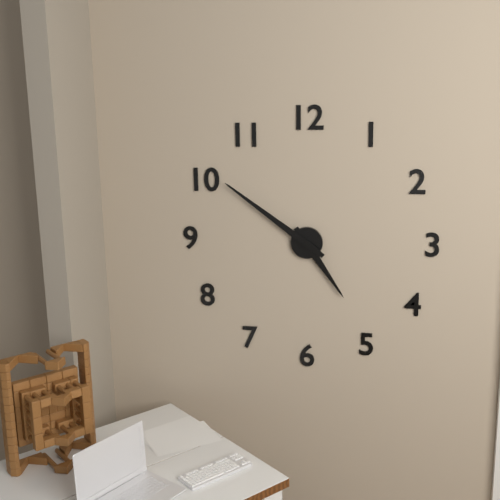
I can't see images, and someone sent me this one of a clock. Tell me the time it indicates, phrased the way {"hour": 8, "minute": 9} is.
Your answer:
{"hour": 4, "minute": 51}
